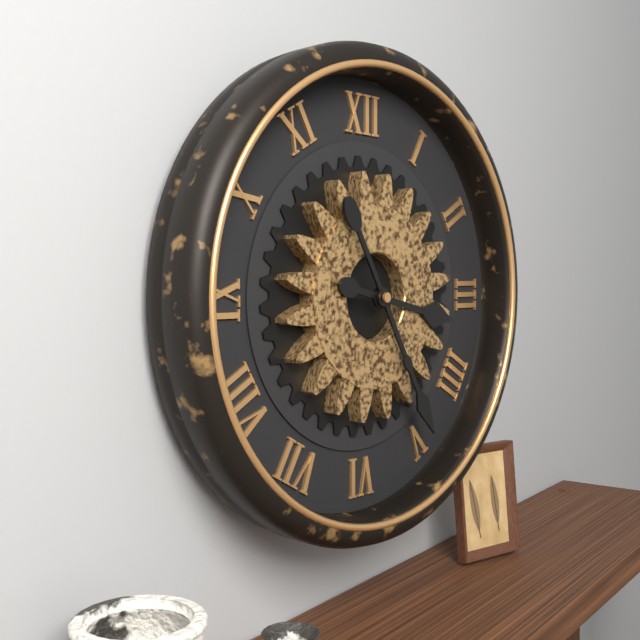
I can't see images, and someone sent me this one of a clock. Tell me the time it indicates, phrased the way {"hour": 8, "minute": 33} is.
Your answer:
{"hour": 3, "minute": 25}
